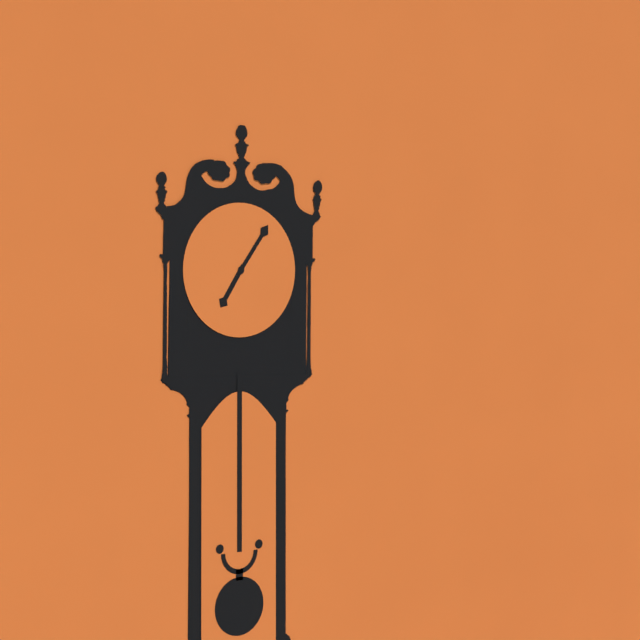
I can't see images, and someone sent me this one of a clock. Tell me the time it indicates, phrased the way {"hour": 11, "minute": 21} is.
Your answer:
{"hour": 7, "minute": 6}
